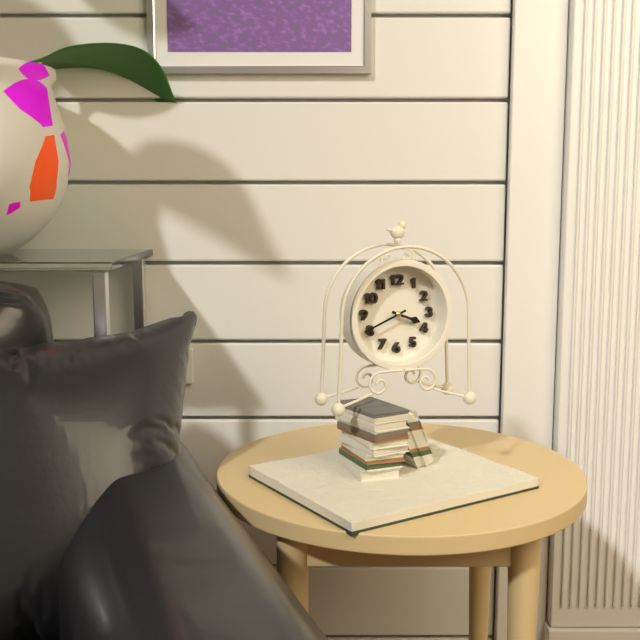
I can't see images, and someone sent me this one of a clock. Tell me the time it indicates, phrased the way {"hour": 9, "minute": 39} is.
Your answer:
{"hour": 3, "minute": 41}
